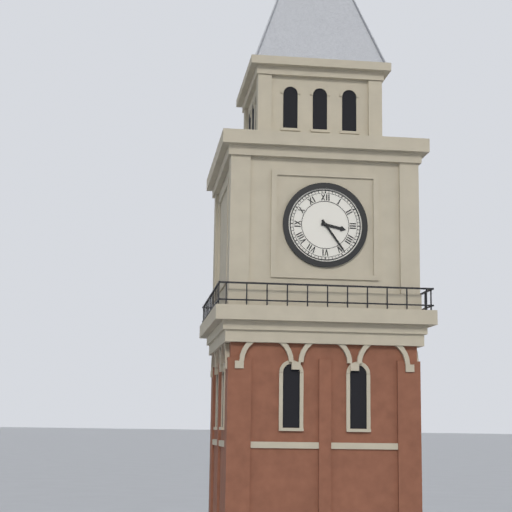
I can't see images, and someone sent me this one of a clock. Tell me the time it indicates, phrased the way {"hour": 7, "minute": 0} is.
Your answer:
{"hour": 3, "minute": 24}
